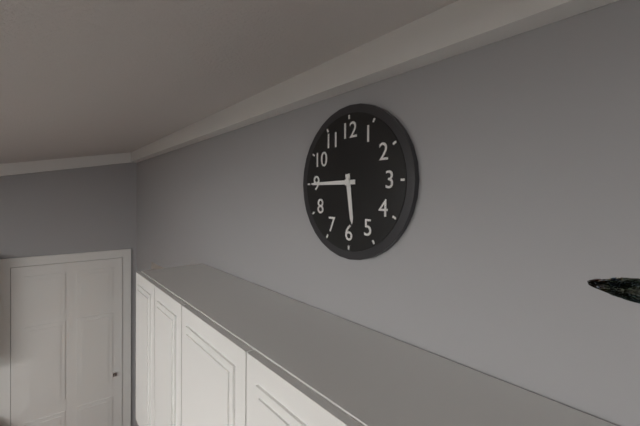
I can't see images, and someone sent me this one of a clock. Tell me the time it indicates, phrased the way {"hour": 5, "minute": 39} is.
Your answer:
{"hour": 5, "minute": 45}
